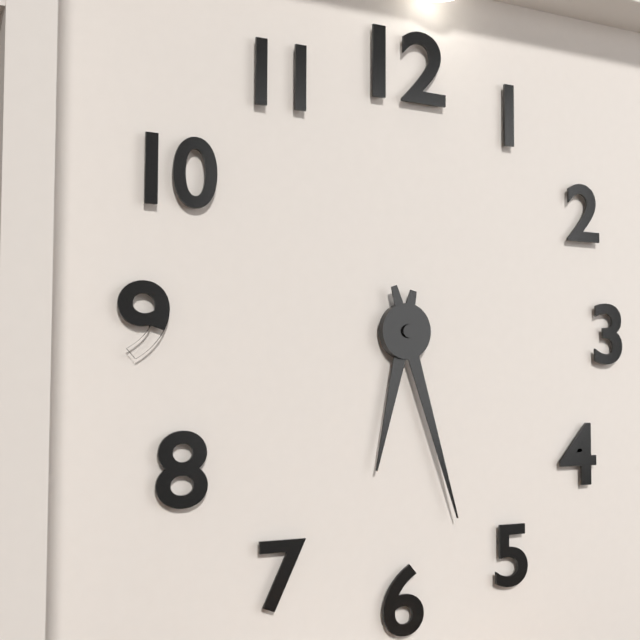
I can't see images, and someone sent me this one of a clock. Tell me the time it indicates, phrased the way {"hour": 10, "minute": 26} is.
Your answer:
{"hour": 6, "minute": 27}
